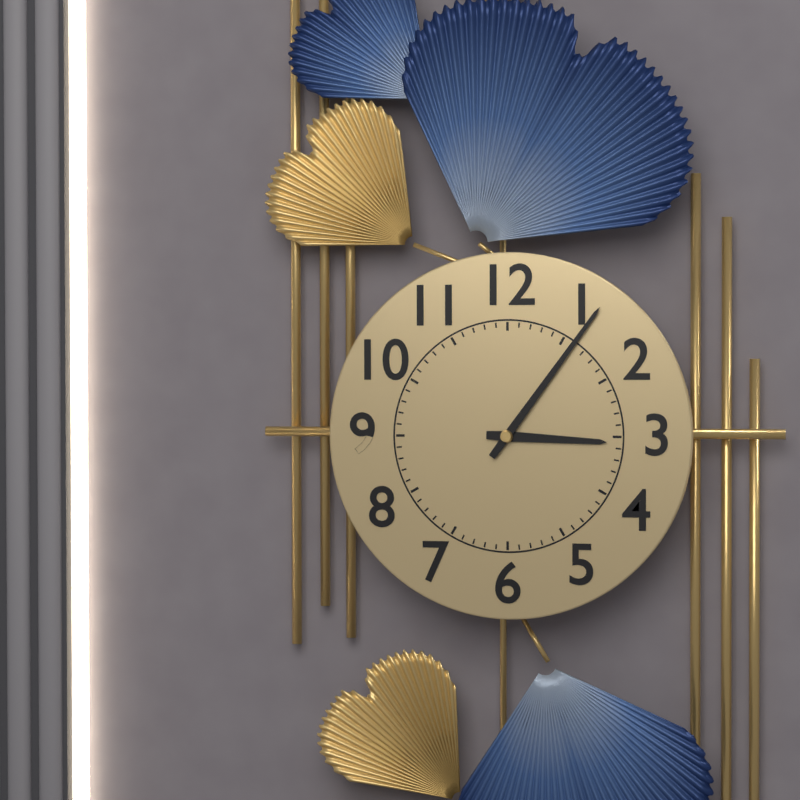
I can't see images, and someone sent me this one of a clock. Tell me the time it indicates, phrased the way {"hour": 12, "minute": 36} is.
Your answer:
{"hour": 3, "minute": 6}
